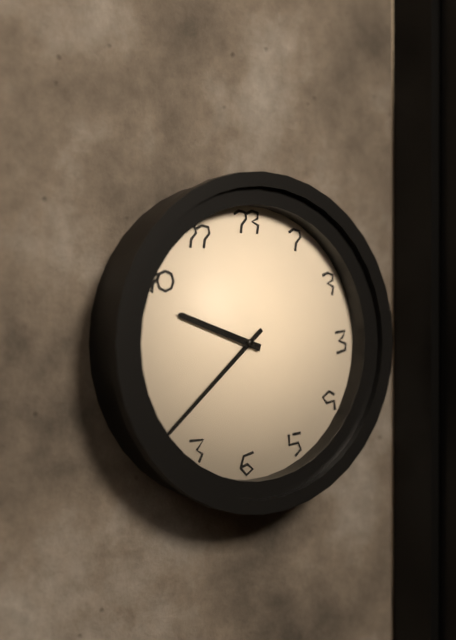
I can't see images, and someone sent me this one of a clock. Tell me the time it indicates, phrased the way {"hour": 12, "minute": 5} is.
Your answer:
{"hour": 9, "minute": 38}
